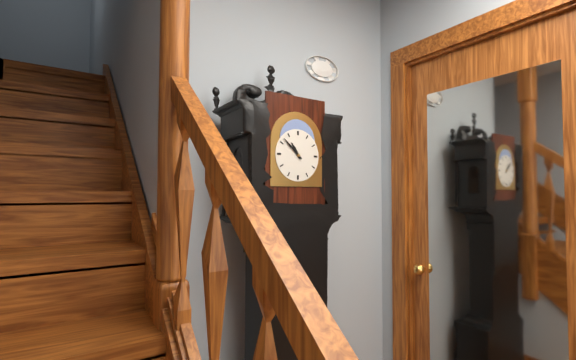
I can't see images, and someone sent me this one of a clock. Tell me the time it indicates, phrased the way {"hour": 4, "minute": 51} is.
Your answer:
{"hour": 10, "minute": 52}
